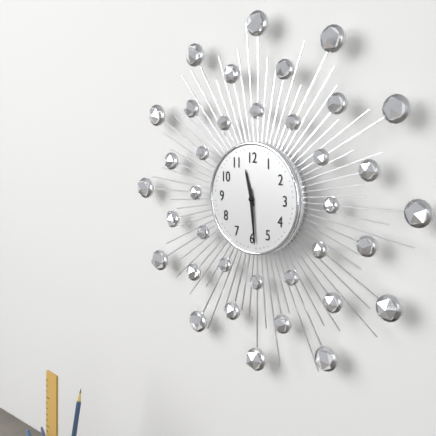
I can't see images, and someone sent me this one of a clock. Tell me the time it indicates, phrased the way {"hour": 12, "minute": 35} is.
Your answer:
{"hour": 11, "minute": 29}
